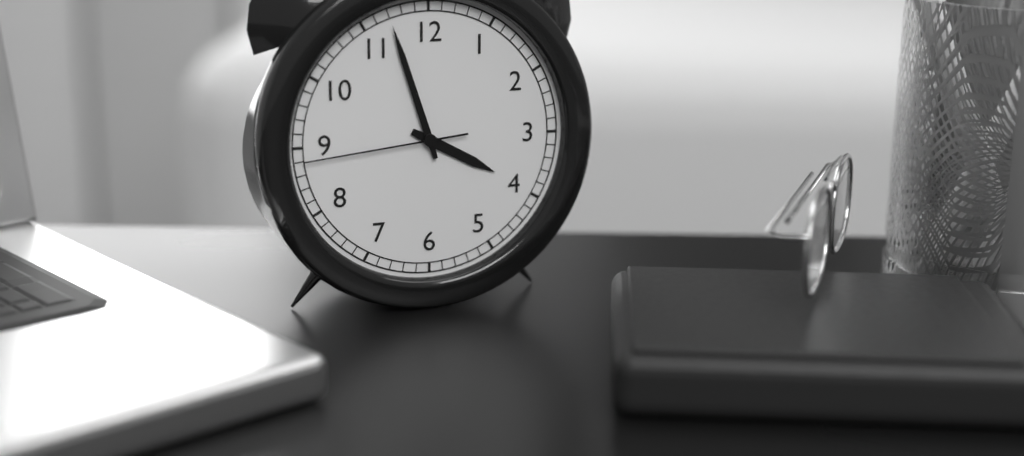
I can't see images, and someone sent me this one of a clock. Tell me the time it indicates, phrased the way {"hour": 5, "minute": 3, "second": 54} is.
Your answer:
{"hour": 3, "minute": 57, "second": 44}
